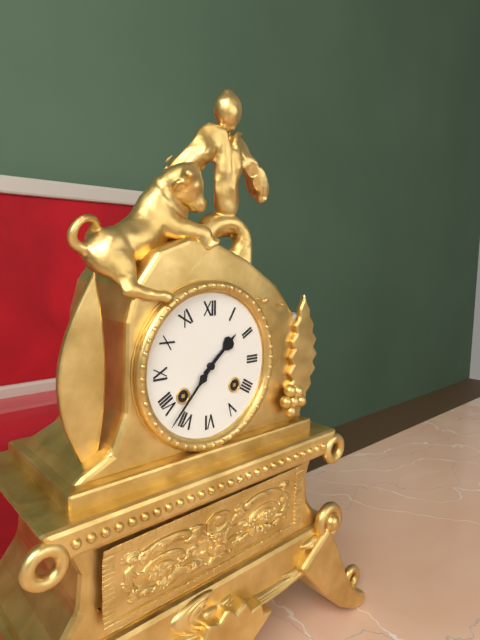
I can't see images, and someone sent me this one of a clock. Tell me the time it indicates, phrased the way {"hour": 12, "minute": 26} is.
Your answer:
{"hour": 1, "minute": 37}
